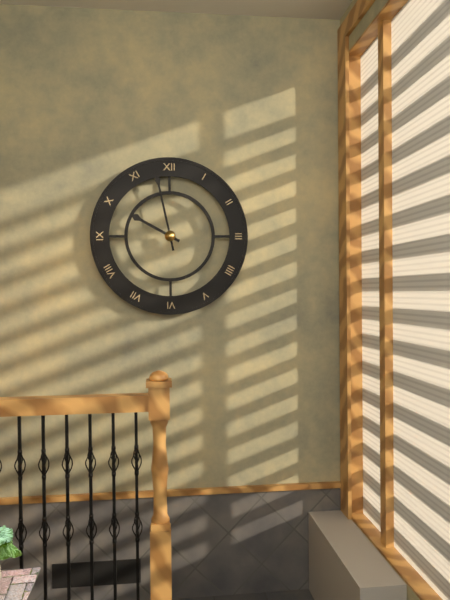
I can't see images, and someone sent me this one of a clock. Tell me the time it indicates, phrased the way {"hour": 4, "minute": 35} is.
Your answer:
{"hour": 9, "minute": 58}
